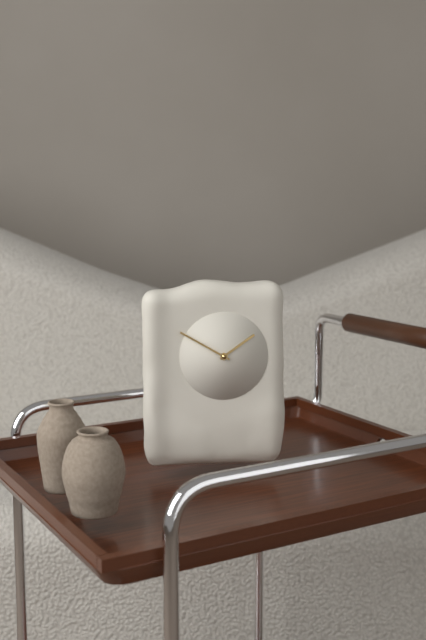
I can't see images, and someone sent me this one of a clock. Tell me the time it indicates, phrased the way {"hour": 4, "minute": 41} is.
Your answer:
{"hour": 1, "minute": 50}
